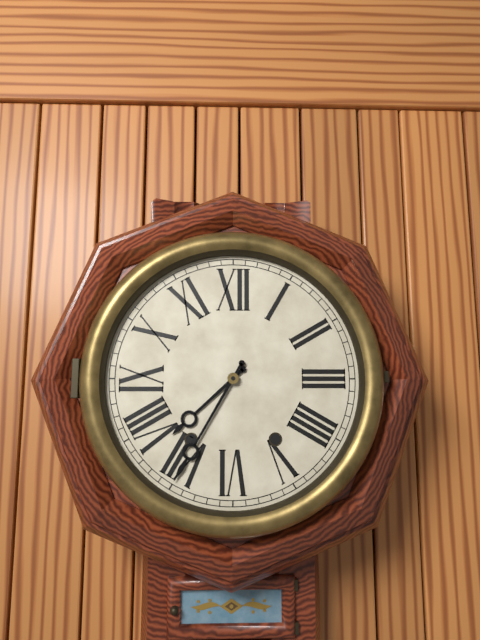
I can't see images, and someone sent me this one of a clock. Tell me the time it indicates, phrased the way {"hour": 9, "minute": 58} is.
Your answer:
{"hour": 7, "minute": 35}
